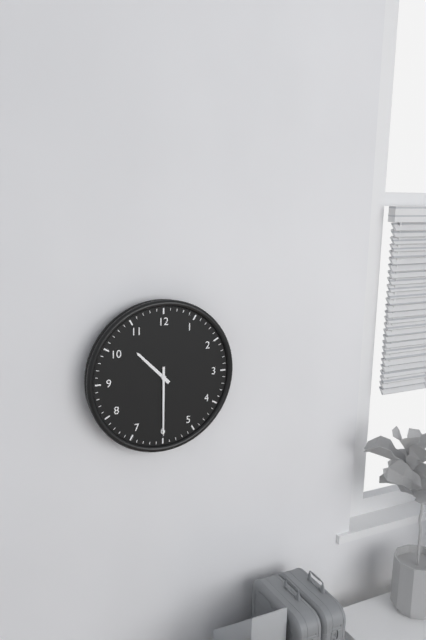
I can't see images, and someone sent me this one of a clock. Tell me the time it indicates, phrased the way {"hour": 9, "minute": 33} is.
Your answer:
{"hour": 10, "minute": 30}
